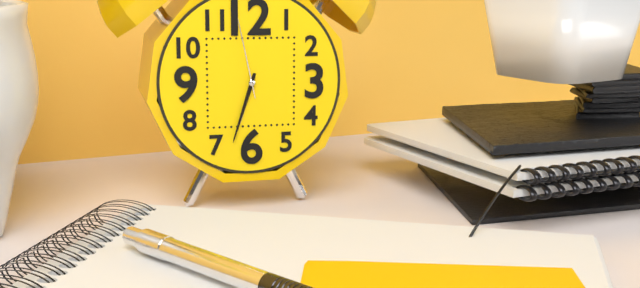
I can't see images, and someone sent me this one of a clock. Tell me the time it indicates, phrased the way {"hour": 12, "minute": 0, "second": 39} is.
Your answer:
{"hour": 6, "minute": 33, "second": 58}
